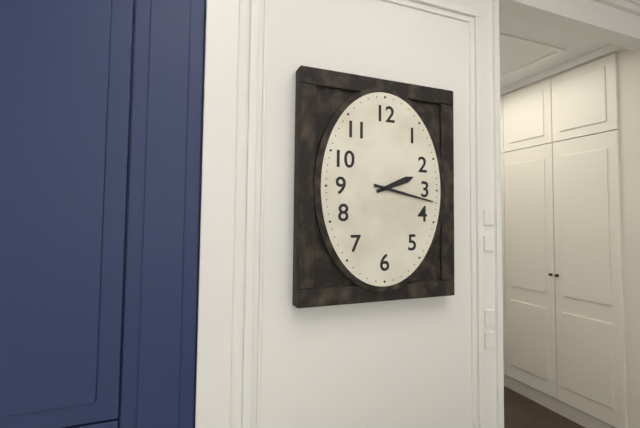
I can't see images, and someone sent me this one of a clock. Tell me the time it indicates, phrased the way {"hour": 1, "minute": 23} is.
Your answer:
{"hour": 2, "minute": 17}
